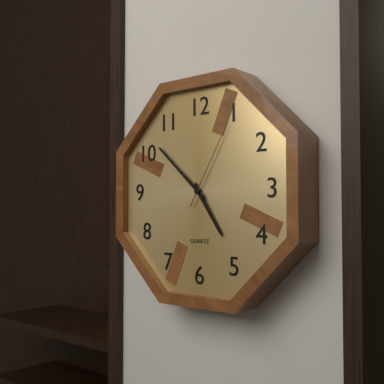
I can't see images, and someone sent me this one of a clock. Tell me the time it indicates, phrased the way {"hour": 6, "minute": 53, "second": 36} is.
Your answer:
{"hour": 4, "minute": 52, "second": 5}
